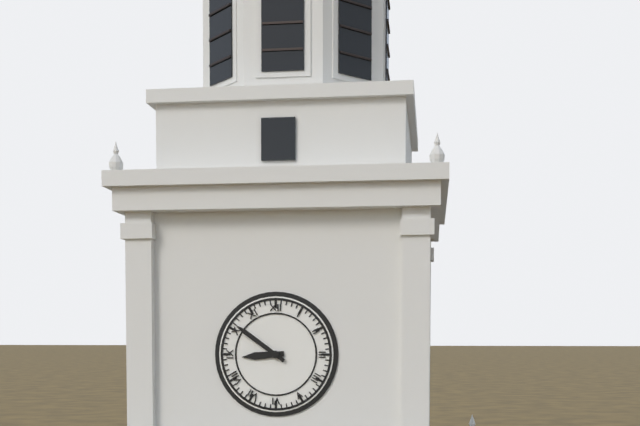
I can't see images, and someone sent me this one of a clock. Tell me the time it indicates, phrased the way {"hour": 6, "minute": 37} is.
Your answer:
{"hour": 8, "minute": 51}
